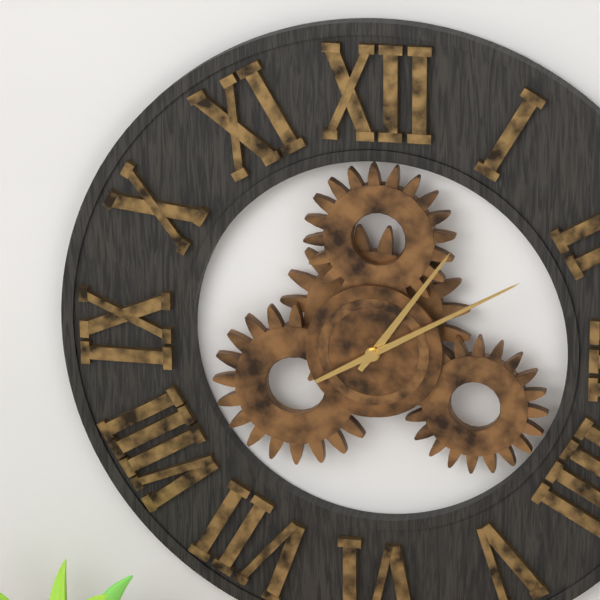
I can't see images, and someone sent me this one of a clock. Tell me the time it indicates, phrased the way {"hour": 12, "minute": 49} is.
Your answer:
{"hour": 1, "minute": 10}
